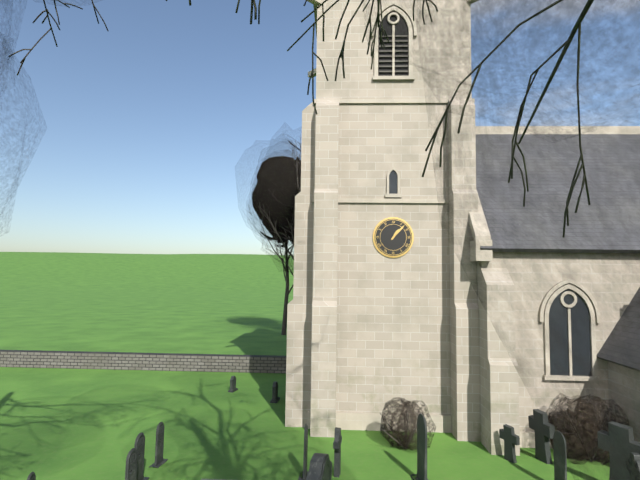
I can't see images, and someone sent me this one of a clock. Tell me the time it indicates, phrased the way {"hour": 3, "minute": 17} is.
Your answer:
{"hour": 1, "minute": 7}
